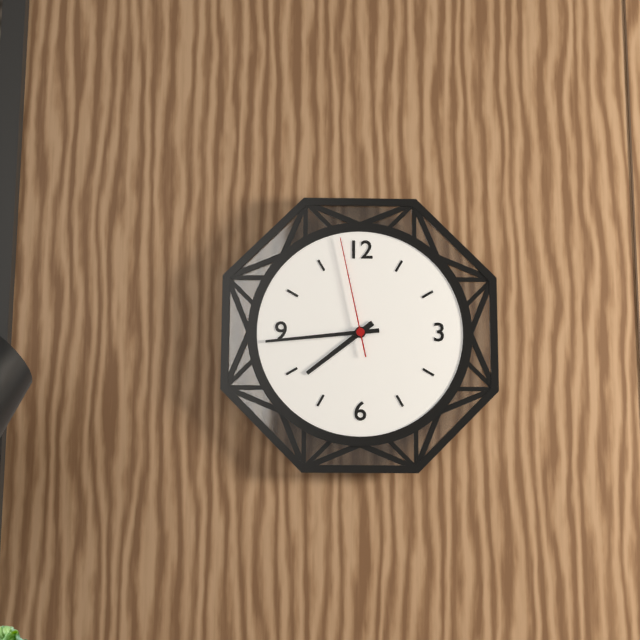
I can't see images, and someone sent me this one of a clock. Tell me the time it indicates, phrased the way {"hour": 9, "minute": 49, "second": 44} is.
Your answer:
{"hour": 7, "minute": 44, "second": 58}
